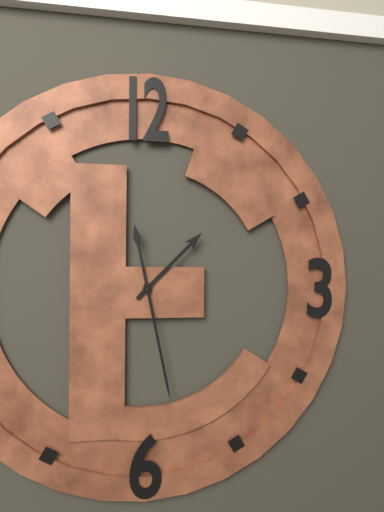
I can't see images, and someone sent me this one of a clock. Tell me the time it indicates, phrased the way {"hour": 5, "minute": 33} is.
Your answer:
{"hour": 1, "minute": 28}
